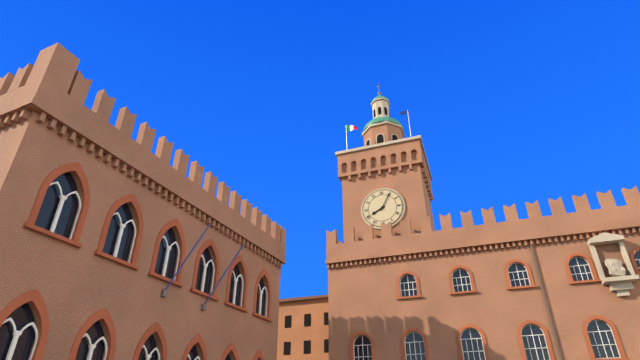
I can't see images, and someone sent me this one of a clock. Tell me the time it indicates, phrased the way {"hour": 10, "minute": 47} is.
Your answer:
{"hour": 8, "minute": 5}
